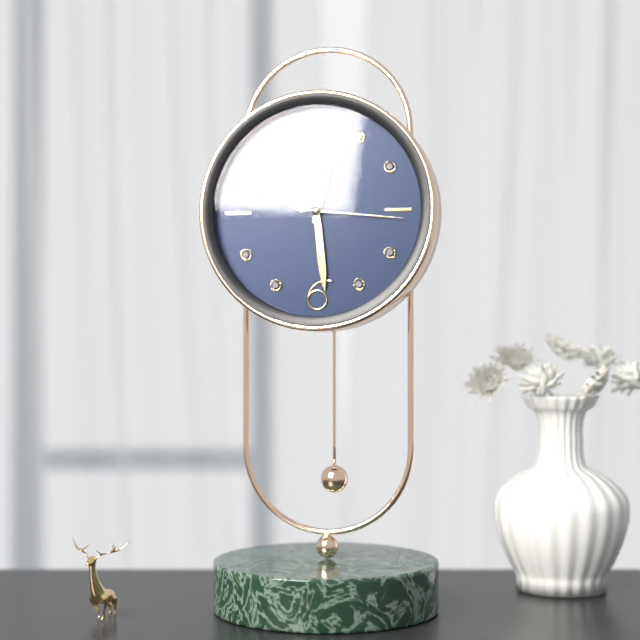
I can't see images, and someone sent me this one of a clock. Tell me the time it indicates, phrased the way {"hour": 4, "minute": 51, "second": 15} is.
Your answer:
{"hour": 12, "minute": 29, "second": 16}
